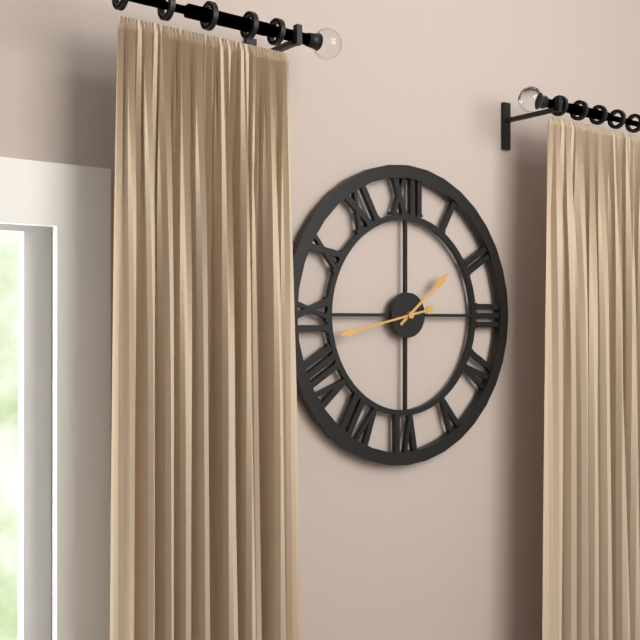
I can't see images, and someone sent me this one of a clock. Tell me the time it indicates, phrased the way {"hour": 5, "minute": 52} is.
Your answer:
{"hour": 1, "minute": 43}
